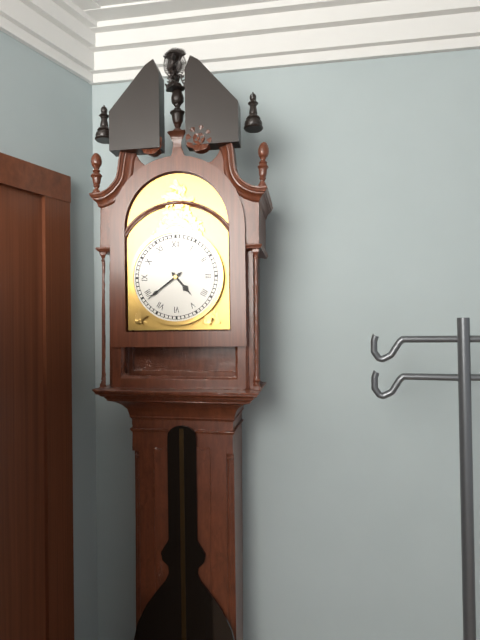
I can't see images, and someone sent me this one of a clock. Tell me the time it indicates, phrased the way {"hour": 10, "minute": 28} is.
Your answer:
{"hour": 4, "minute": 39}
